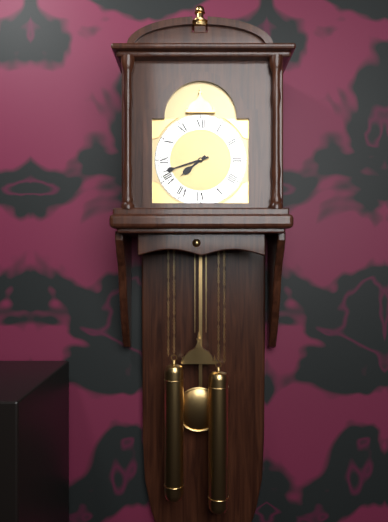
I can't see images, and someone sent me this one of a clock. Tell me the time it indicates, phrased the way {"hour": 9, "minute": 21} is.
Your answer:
{"hour": 7, "minute": 42}
